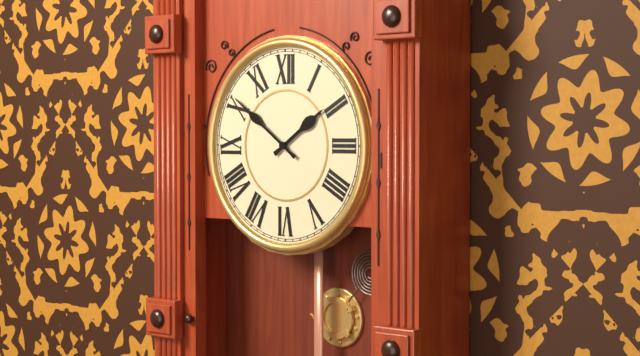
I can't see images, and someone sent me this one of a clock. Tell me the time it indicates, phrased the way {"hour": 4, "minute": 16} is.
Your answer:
{"hour": 1, "minute": 51}
